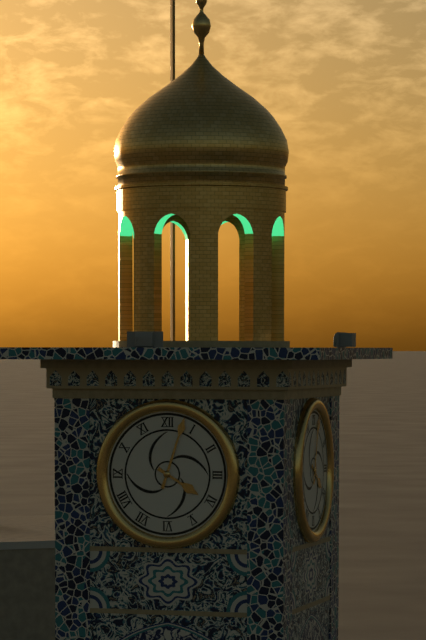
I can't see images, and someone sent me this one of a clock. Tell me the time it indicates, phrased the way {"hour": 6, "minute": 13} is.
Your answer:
{"hour": 4, "minute": 3}
